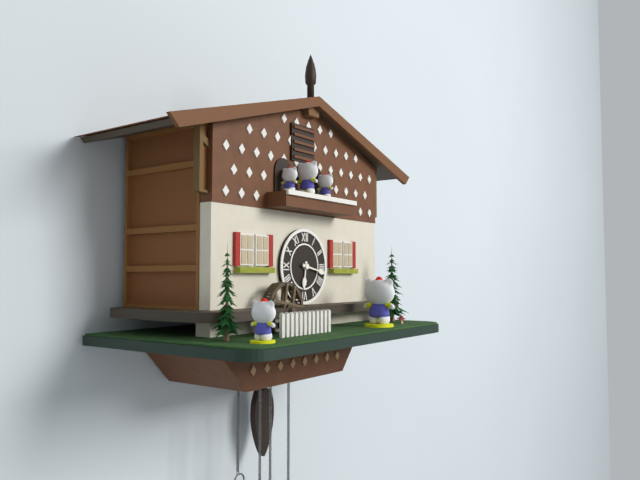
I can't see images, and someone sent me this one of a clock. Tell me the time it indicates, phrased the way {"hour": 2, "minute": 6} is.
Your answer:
{"hour": 6, "minute": 17}
